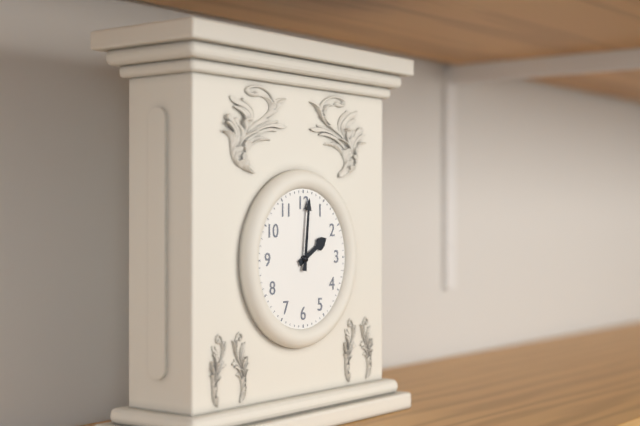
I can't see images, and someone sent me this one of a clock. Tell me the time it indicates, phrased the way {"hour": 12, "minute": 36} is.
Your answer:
{"hour": 2, "minute": 1}
